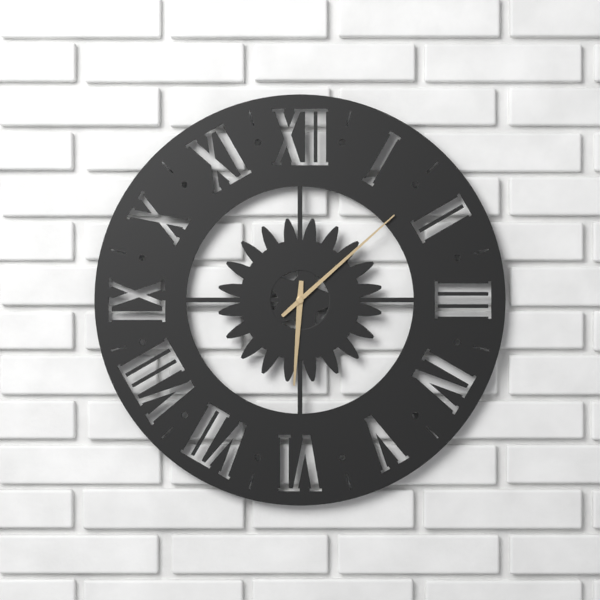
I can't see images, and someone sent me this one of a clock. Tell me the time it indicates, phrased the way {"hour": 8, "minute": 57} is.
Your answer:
{"hour": 6, "minute": 8}
